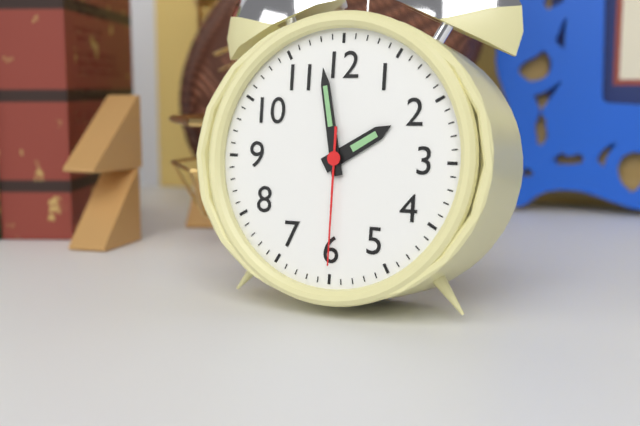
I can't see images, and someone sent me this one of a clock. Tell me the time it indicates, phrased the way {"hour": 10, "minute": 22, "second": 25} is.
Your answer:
{"hour": 1, "minute": 58, "second": 30}
